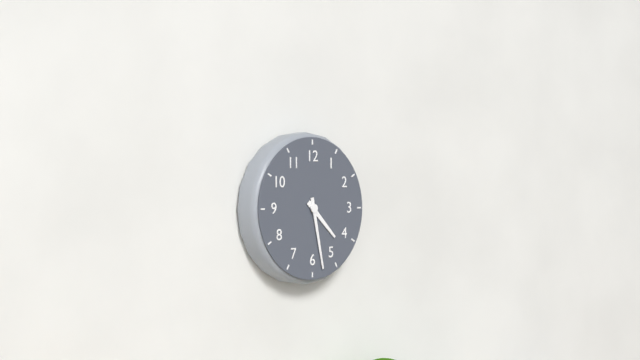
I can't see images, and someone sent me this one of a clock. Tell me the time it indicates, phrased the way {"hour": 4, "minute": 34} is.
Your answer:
{"hour": 4, "minute": 28}
